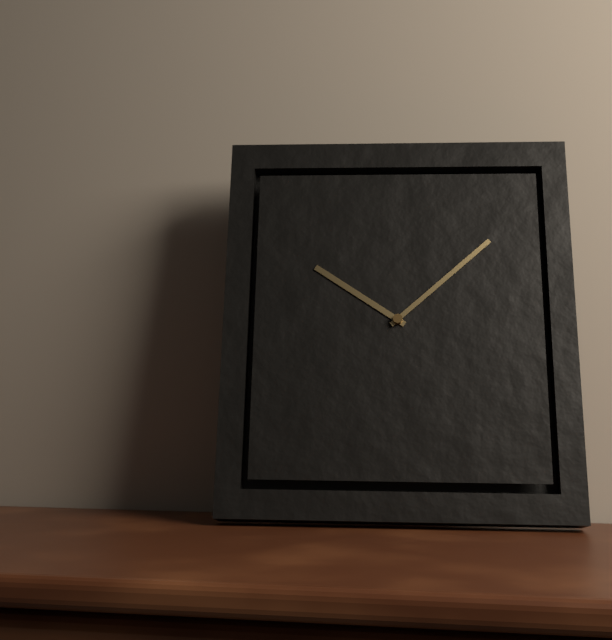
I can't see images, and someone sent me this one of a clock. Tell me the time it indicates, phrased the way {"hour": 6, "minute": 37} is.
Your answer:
{"hour": 10, "minute": 8}
